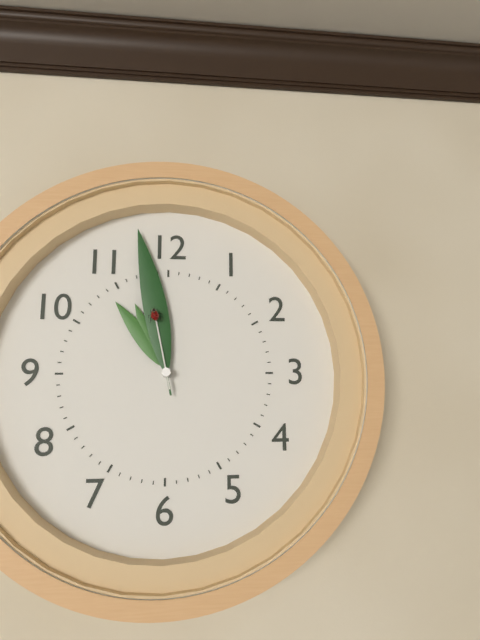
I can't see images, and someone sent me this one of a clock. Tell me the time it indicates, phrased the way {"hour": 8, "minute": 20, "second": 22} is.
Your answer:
{"hour": 10, "minute": 58, "second": 58}
